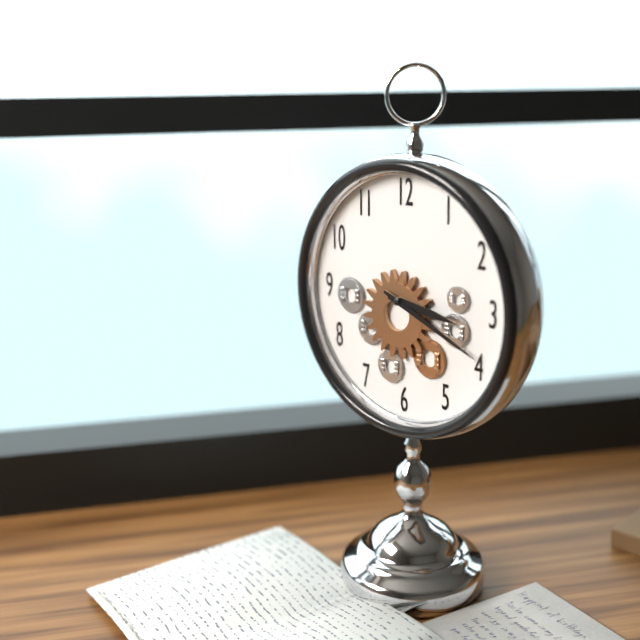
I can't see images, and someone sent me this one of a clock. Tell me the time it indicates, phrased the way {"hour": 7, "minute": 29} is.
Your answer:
{"hour": 3, "minute": 19}
